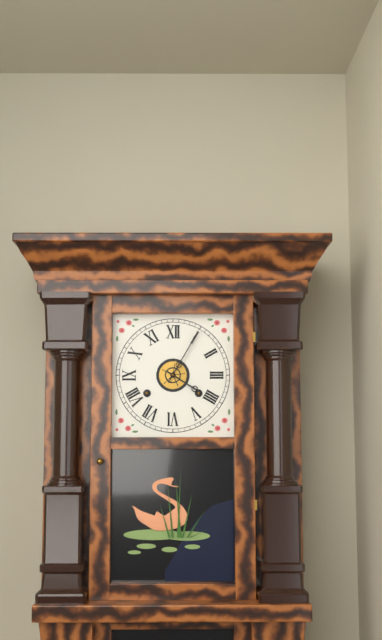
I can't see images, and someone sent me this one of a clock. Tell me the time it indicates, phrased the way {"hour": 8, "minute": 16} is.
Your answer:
{"hour": 4, "minute": 5}
